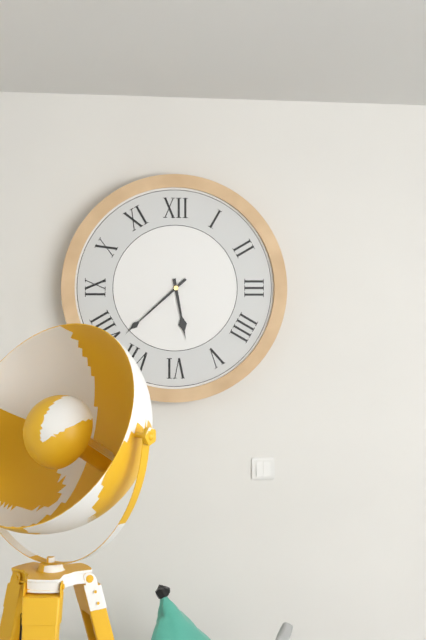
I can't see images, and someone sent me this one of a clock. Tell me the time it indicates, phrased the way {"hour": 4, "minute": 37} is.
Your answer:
{"hour": 5, "minute": 38}
